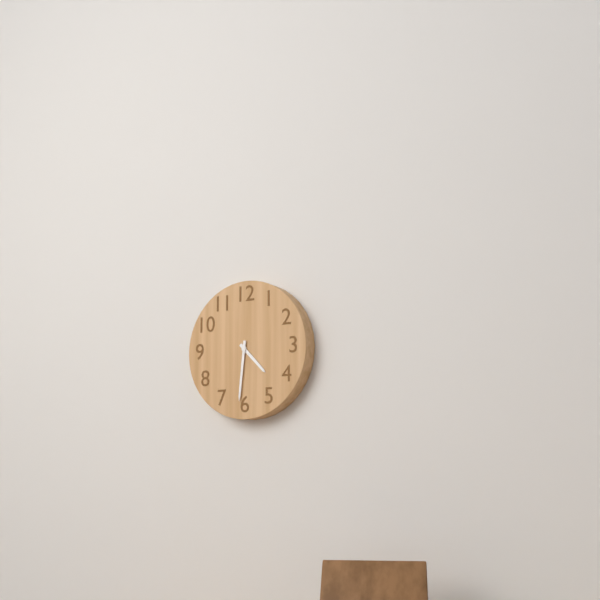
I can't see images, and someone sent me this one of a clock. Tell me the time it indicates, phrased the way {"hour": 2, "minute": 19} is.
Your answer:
{"hour": 4, "minute": 31}
